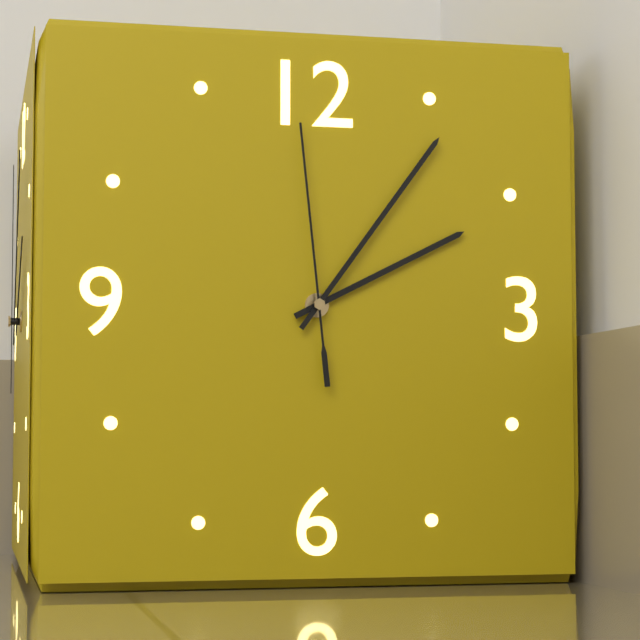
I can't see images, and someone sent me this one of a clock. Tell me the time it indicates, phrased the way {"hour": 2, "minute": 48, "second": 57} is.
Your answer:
{"hour": 2, "minute": 6, "second": 59}
